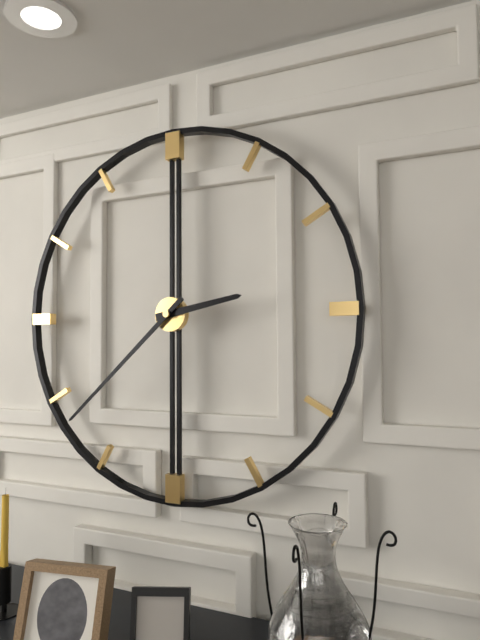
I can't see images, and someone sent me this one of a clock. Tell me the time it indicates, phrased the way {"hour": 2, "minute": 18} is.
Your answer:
{"hour": 2, "minute": 38}
